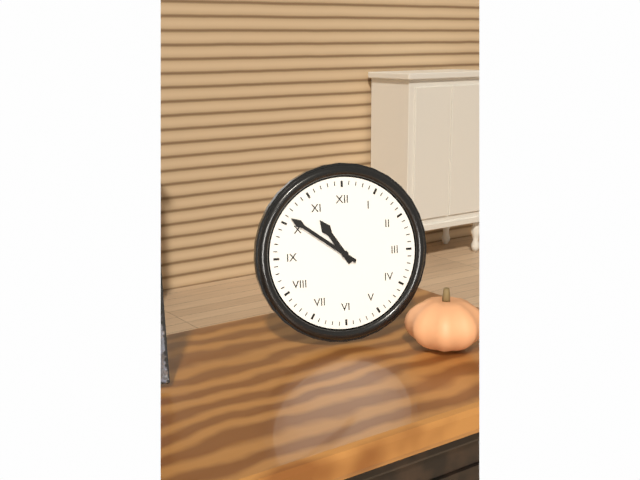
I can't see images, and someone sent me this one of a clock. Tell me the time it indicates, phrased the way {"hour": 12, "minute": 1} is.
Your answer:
{"hour": 10, "minute": 51}
